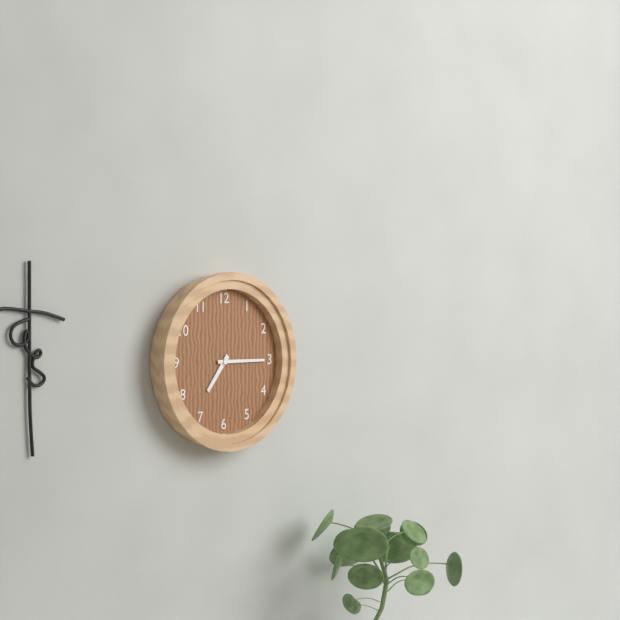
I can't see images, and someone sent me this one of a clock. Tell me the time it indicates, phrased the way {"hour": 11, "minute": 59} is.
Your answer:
{"hour": 7, "minute": 15}
